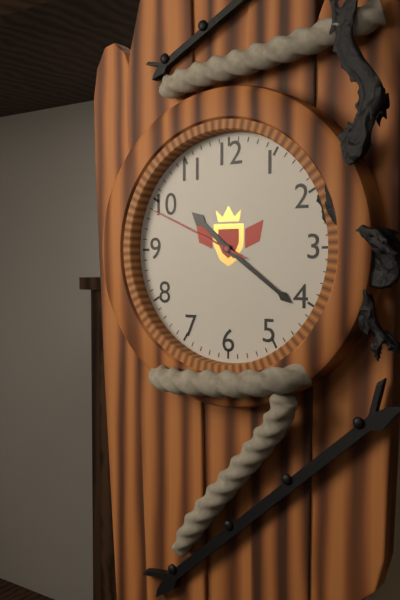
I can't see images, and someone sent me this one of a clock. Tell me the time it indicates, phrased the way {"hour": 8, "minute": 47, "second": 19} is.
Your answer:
{"hour": 10, "minute": 21, "second": 49}
